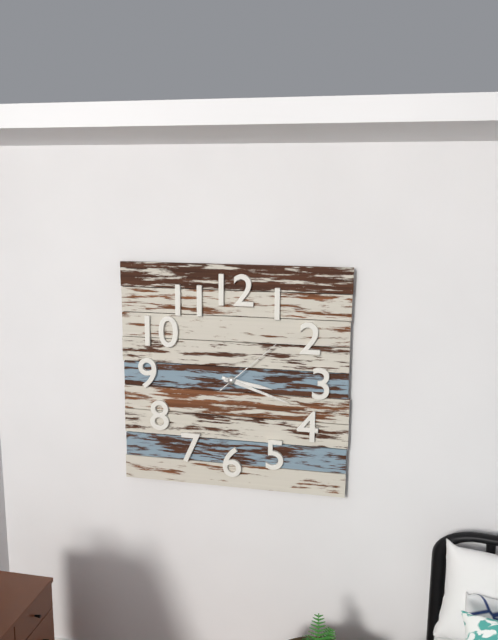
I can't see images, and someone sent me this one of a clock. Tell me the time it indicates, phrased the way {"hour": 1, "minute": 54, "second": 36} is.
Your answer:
{"hour": 3, "minute": 18, "second": 8}
